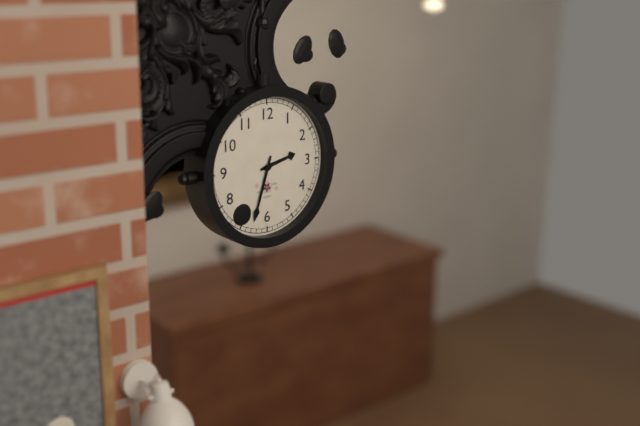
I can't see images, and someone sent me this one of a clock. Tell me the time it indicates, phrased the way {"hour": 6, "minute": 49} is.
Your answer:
{"hour": 2, "minute": 33}
